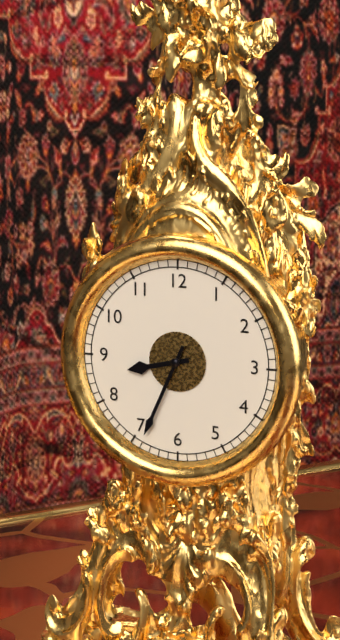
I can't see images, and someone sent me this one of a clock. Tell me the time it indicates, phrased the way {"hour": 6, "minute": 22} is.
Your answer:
{"hour": 8, "minute": 34}
